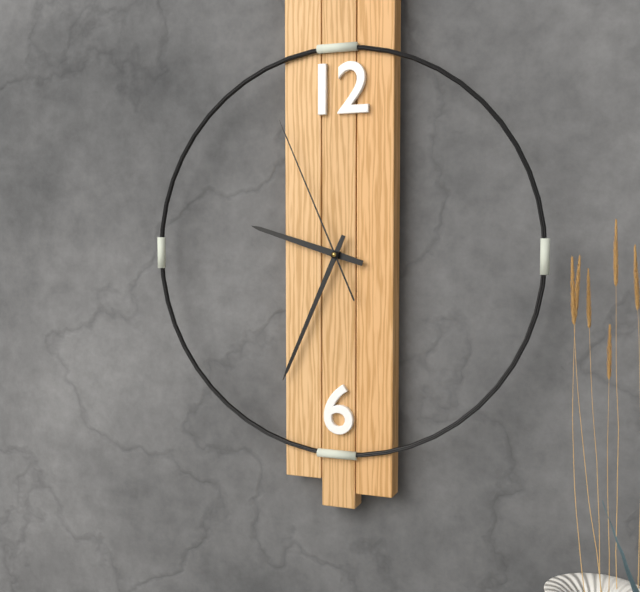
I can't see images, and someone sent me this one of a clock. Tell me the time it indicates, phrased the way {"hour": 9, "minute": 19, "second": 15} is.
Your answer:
{"hour": 9, "minute": 34, "second": 56}
